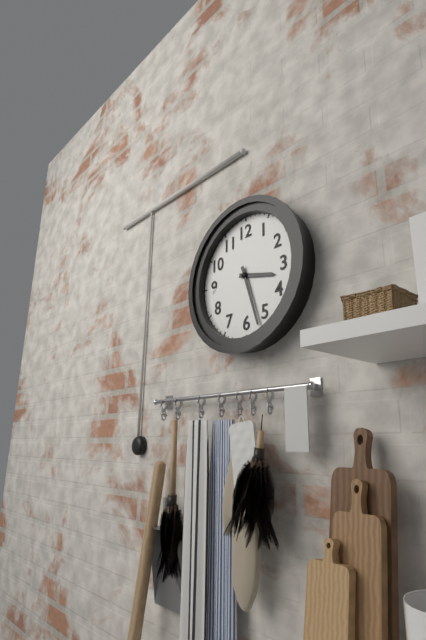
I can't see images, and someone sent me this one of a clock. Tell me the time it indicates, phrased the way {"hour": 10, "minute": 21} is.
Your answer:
{"hour": 3, "minute": 27}
